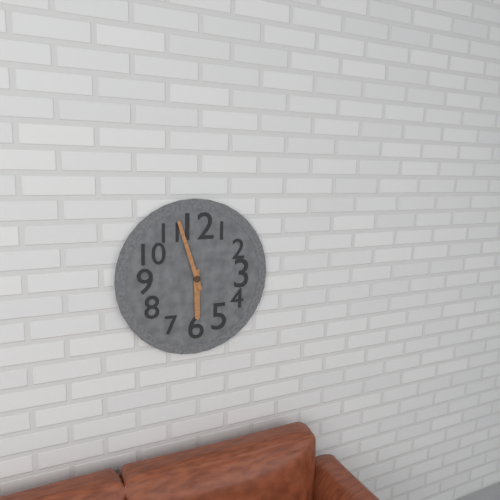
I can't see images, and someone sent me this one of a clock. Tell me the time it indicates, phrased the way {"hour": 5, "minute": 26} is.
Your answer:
{"hour": 5, "minute": 57}
